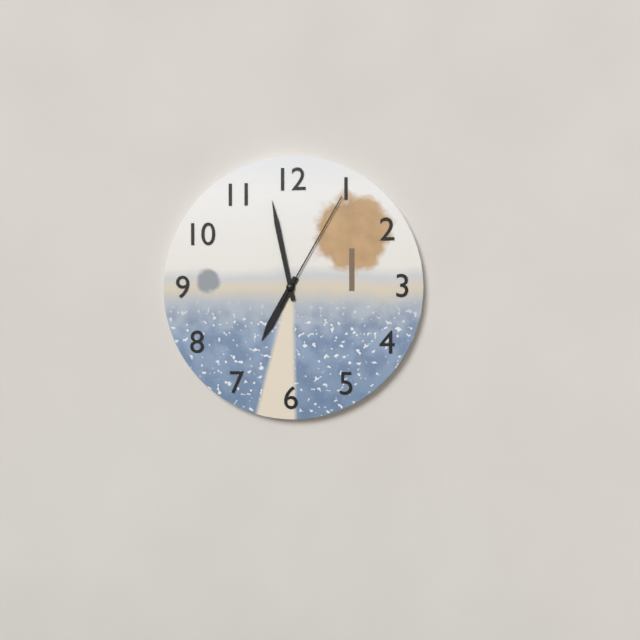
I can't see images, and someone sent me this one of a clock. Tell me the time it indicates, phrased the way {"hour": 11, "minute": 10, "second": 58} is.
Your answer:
{"hour": 6, "minute": 58, "second": 5}
